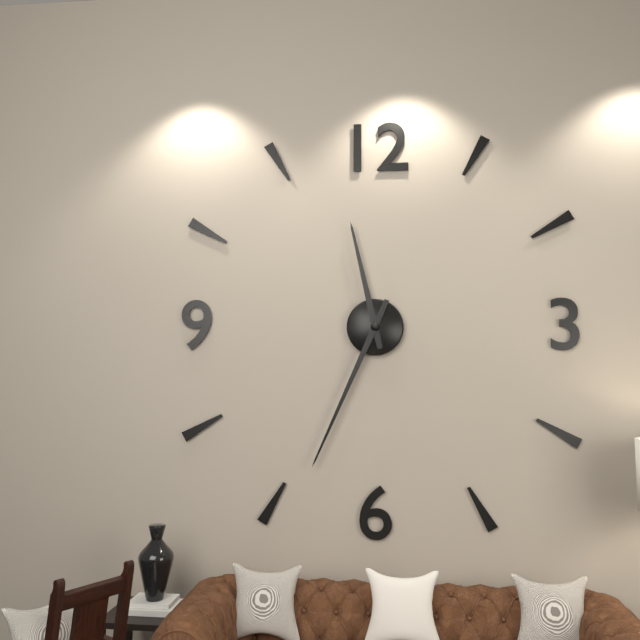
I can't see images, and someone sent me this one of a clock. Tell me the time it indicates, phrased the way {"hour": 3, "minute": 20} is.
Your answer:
{"hour": 11, "minute": 34}
